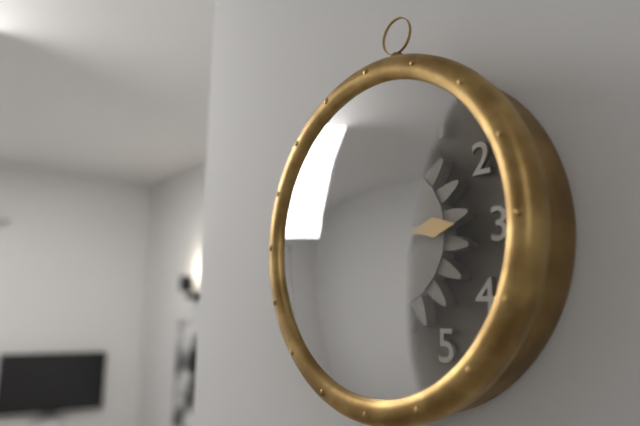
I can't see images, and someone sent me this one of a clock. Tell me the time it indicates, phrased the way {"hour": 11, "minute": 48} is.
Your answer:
{"hour": 2, "minute": 56}
